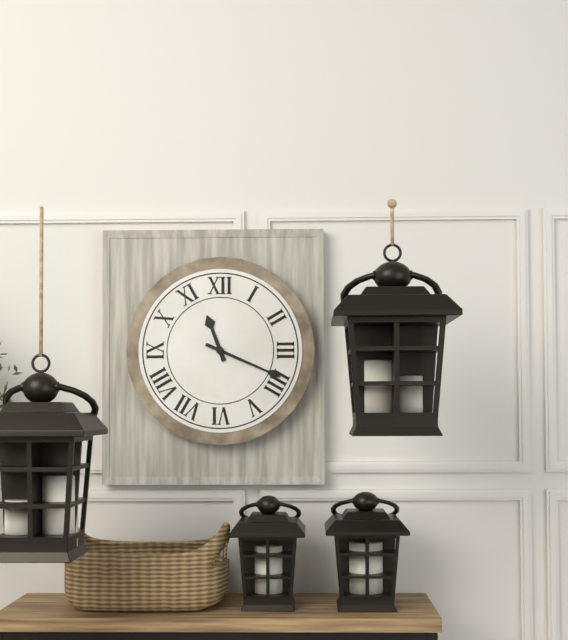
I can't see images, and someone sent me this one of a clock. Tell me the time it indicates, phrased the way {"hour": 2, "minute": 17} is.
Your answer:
{"hour": 11, "minute": 19}
